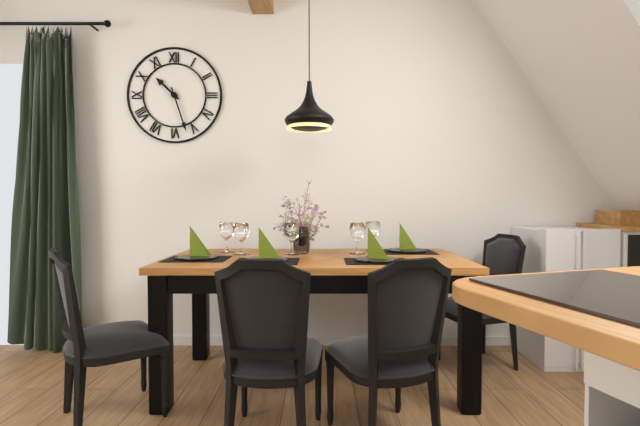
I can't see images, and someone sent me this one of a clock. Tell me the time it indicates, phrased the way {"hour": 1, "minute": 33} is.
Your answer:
{"hour": 10, "minute": 27}
